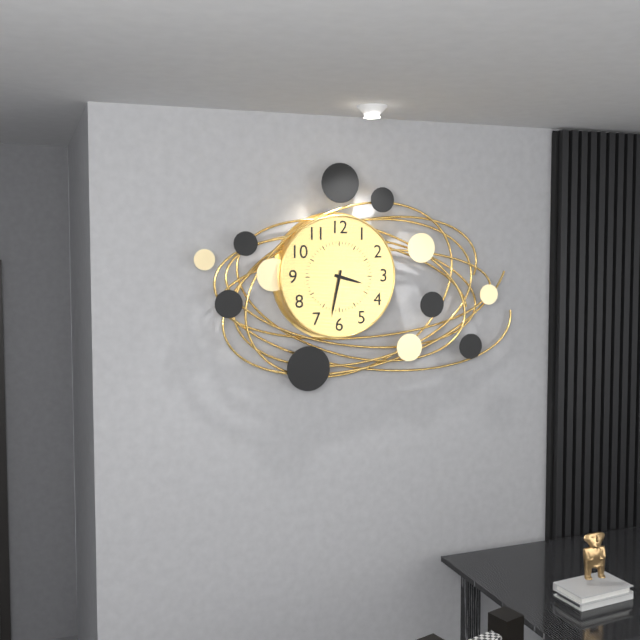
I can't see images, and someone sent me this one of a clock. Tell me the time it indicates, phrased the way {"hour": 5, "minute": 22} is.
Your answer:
{"hour": 3, "minute": 32}
